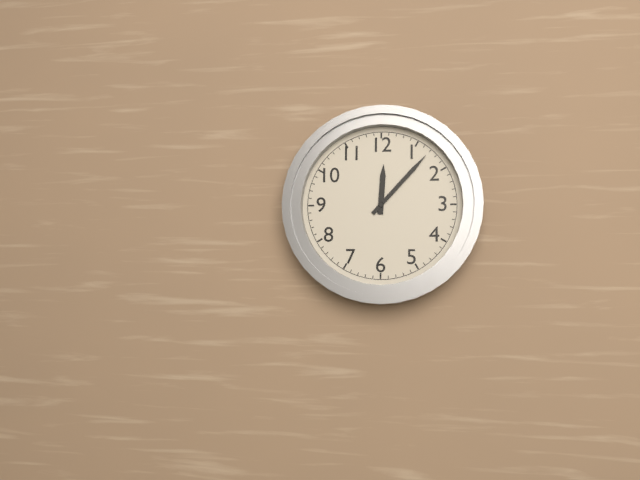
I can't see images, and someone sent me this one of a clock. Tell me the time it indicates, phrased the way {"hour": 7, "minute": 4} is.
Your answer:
{"hour": 12, "minute": 7}
